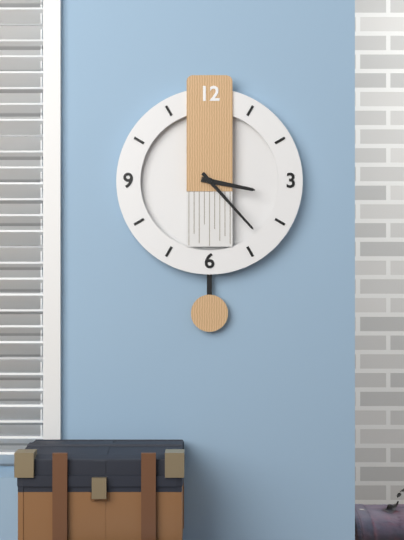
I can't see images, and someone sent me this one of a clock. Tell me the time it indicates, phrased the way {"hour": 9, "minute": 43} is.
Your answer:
{"hour": 3, "minute": 23}
